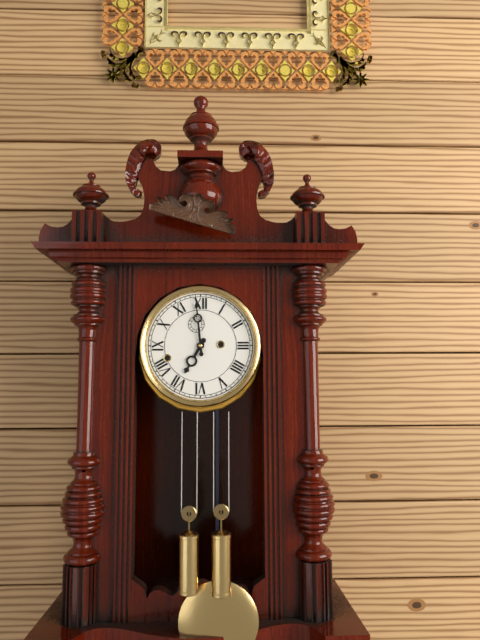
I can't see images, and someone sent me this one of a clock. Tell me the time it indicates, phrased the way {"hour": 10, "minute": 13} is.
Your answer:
{"hour": 6, "minute": 59}
